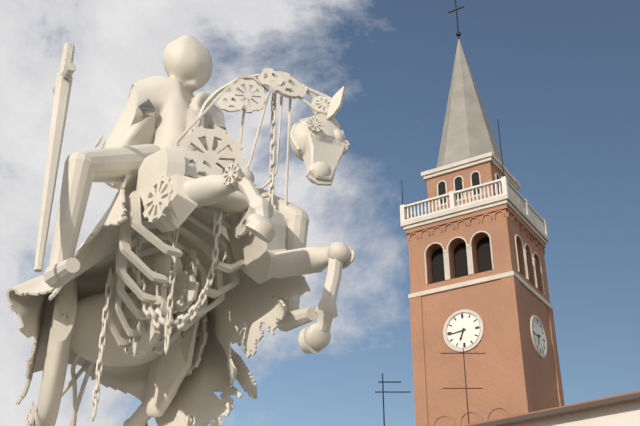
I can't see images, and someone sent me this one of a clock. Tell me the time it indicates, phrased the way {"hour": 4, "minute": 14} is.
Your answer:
{"hour": 6, "minute": 44}
